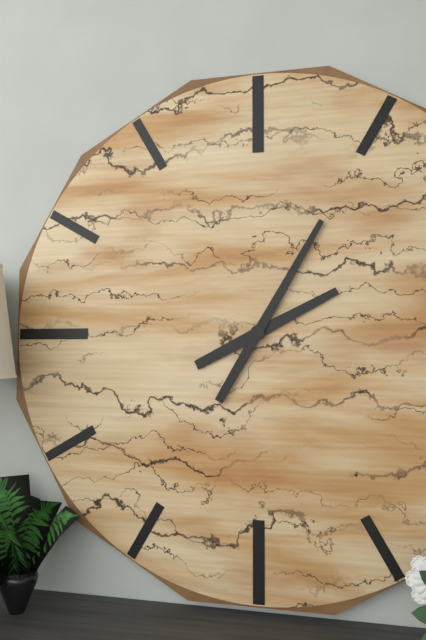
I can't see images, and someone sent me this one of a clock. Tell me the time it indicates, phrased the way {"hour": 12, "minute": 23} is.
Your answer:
{"hour": 2, "minute": 5}
